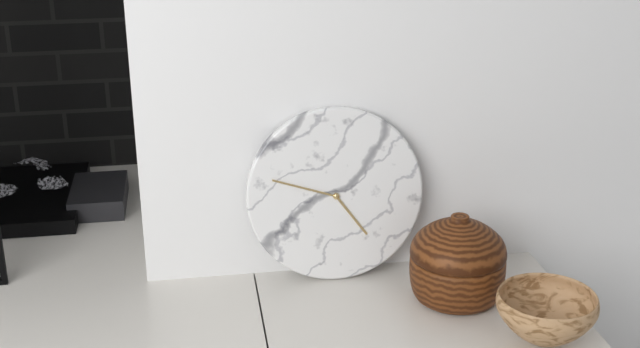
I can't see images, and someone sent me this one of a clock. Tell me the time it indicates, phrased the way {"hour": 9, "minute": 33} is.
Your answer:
{"hour": 4, "minute": 48}
